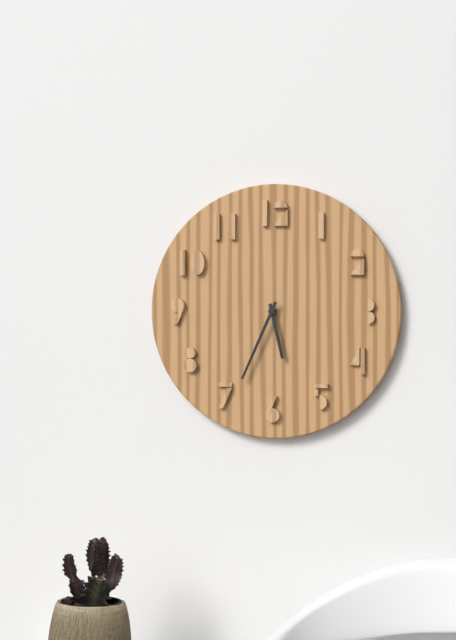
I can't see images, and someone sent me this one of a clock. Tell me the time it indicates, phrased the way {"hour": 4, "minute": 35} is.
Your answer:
{"hour": 5, "minute": 34}
